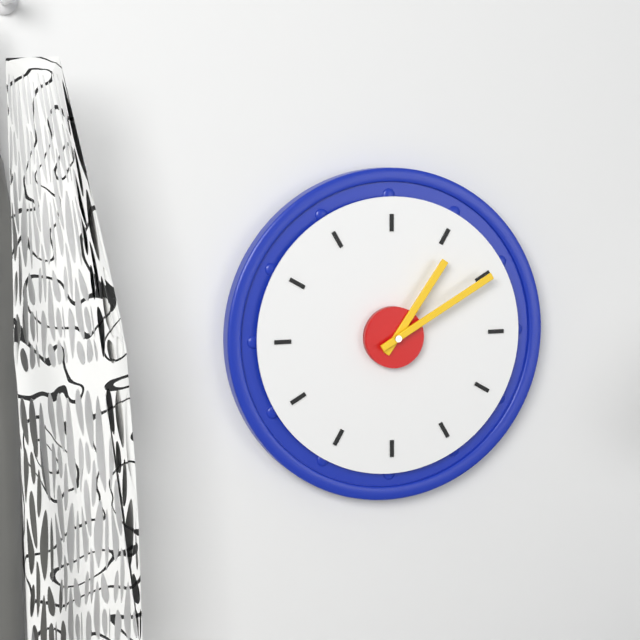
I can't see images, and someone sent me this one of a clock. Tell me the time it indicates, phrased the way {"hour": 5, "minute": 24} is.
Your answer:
{"hour": 1, "minute": 10}
